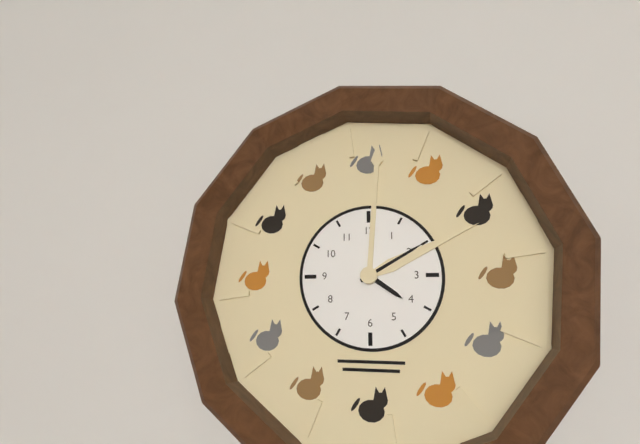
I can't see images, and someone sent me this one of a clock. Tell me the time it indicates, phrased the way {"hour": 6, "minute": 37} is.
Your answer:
{"hour": 4, "minute": 10}
